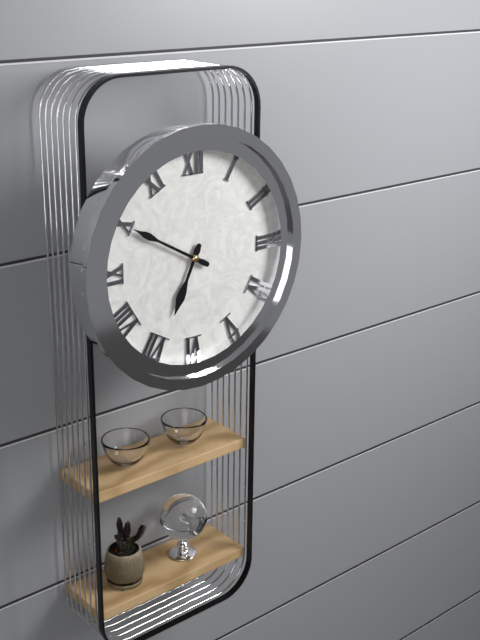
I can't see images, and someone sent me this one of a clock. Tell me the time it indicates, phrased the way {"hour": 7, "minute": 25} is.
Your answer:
{"hour": 6, "minute": 50}
